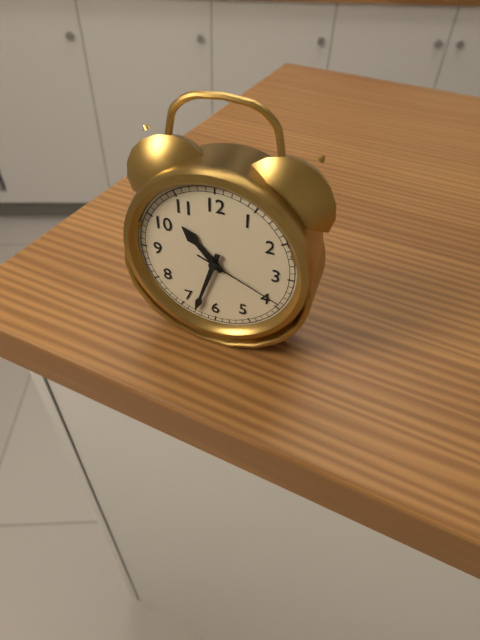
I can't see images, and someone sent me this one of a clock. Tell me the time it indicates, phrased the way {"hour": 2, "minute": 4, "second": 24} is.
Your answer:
{"hour": 10, "minute": 33, "second": 19}
